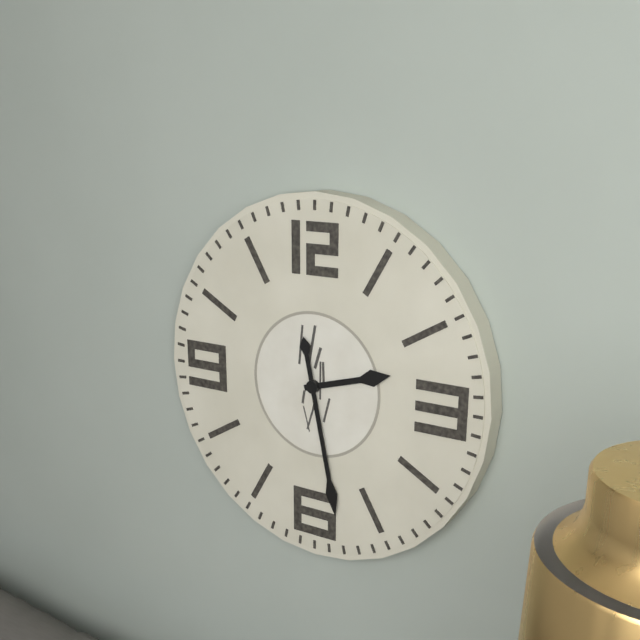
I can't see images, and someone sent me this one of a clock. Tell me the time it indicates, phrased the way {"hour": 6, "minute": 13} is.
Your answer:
{"hour": 2, "minute": 28}
